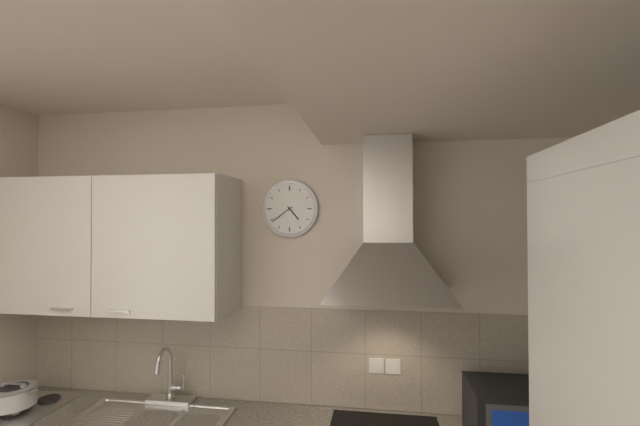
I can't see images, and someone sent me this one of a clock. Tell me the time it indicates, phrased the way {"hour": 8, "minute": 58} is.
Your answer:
{"hour": 4, "minute": 39}
